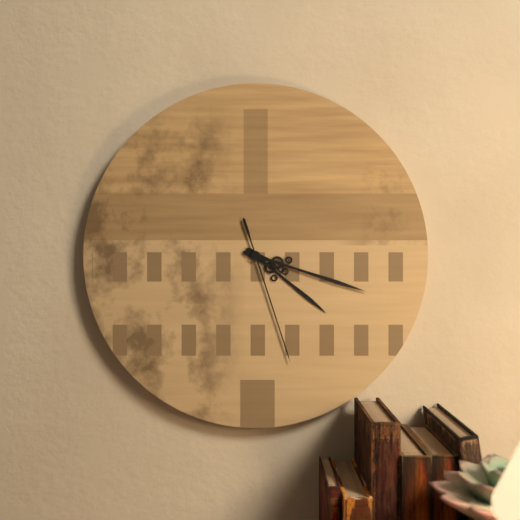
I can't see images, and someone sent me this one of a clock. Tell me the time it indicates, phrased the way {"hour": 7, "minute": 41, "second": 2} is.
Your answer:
{"hour": 4, "minute": 18, "second": 27}
